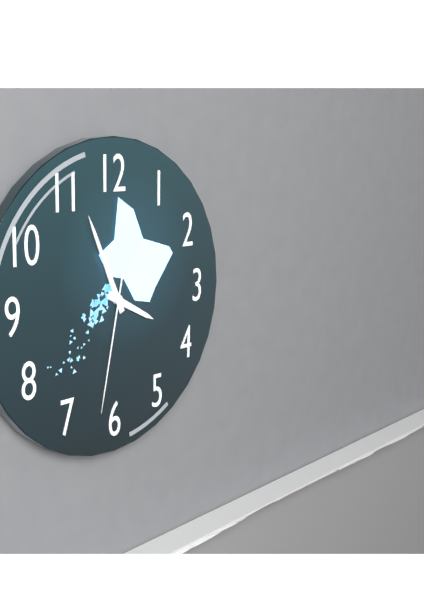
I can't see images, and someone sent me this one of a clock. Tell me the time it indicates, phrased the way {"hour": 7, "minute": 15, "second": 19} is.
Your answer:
{"hour": 3, "minute": 56, "second": 32}
